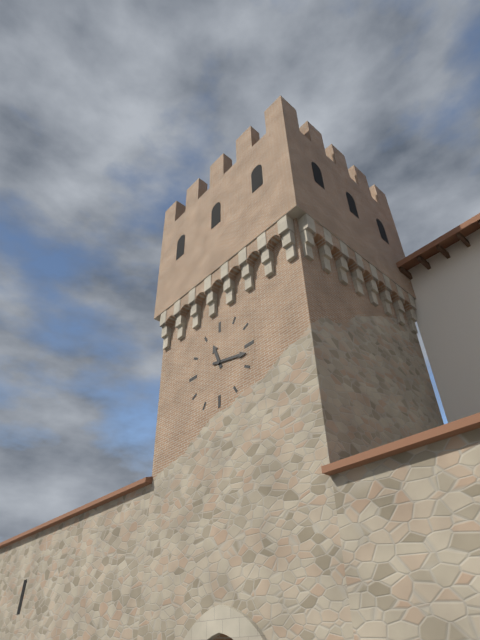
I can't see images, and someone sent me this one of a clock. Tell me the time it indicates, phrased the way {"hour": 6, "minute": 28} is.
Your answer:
{"hour": 11, "minute": 17}
